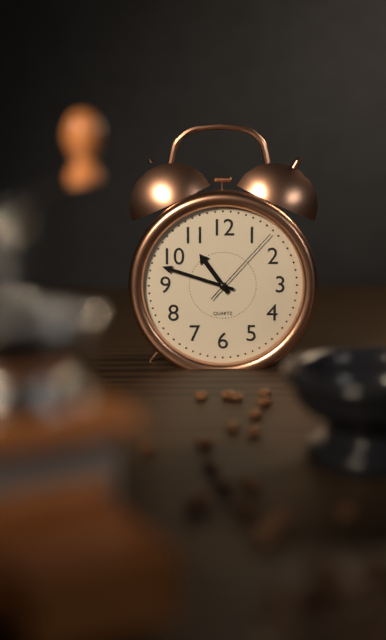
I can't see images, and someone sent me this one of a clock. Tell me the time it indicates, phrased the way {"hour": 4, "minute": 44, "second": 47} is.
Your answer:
{"hour": 10, "minute": 48, "second": 7}
